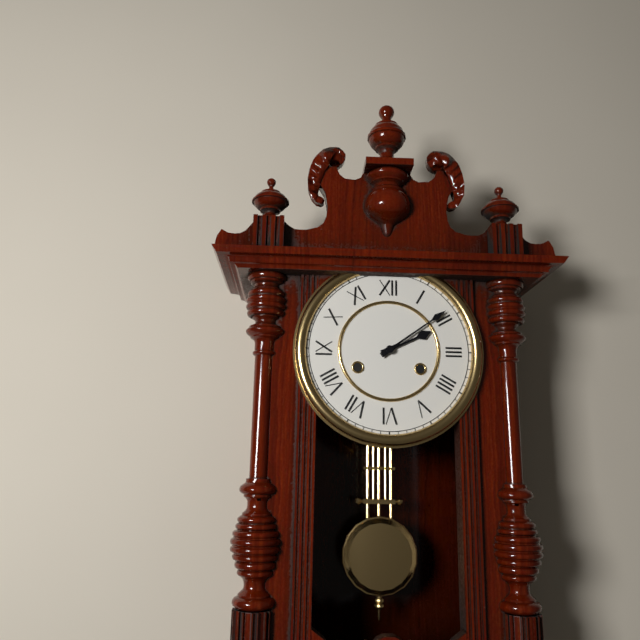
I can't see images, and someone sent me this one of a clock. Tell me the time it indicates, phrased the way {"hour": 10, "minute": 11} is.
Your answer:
{"hour": 2, "minute": 9}
